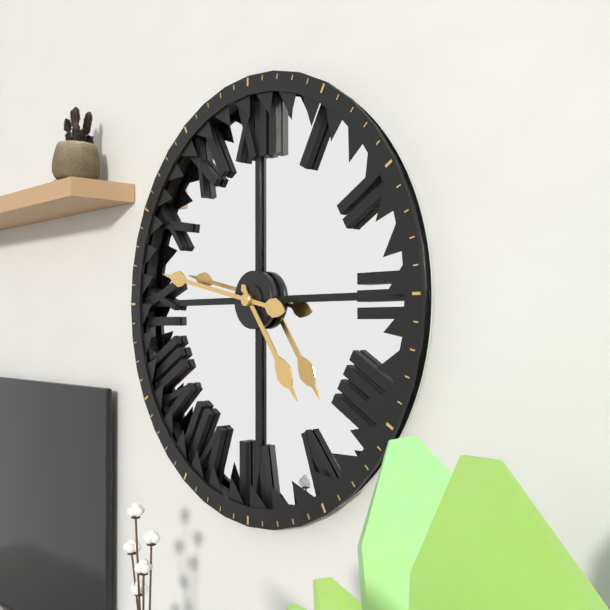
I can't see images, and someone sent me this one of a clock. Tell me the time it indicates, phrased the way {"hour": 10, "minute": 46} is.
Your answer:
{"hour": 4, "minute": 47}
